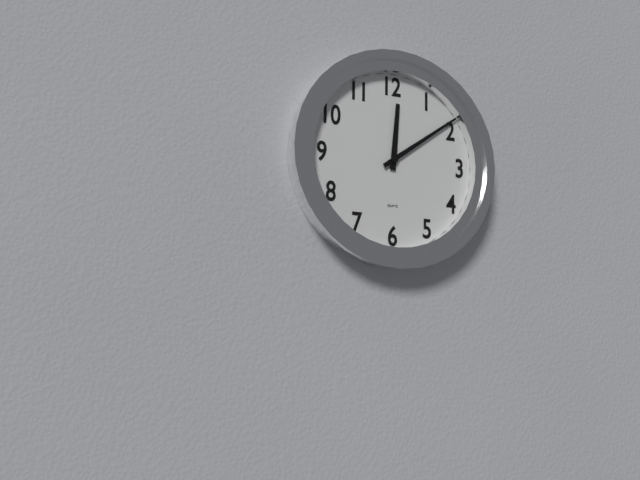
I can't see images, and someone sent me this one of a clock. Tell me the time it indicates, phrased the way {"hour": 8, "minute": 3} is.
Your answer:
{"hour": 12, "minute": 9}
